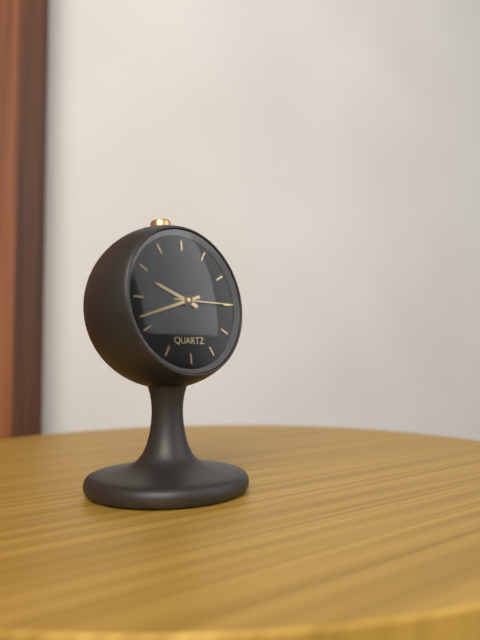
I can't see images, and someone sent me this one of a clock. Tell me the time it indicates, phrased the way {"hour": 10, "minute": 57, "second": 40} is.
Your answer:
{"hour": 9, "minute": 42, "second": 15}
